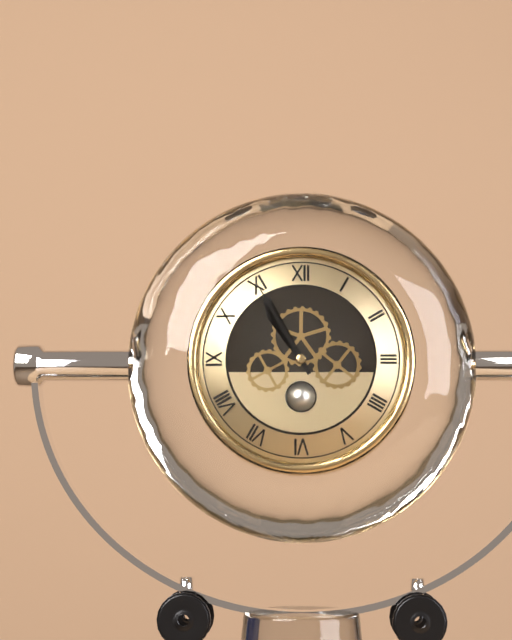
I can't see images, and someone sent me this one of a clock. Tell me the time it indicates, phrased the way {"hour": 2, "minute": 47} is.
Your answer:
{"hour": 10, "minute": 55}
